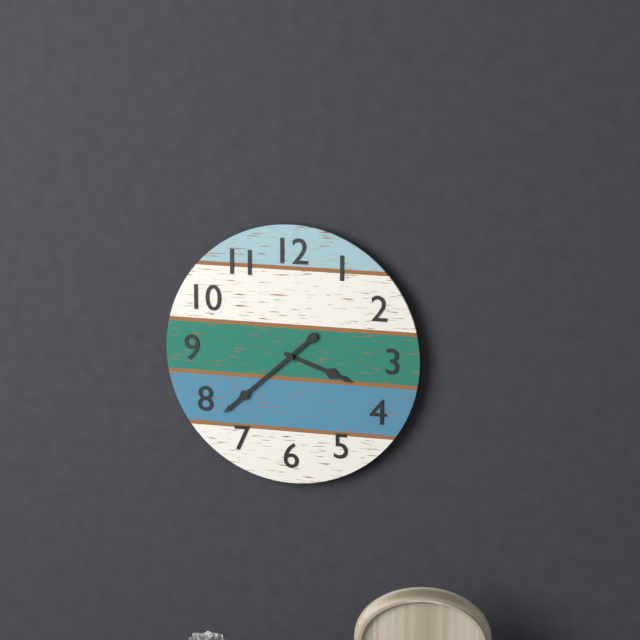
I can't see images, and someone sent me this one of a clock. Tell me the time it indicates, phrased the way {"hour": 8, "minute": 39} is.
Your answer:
{"hour": 3, "minute": 38}
